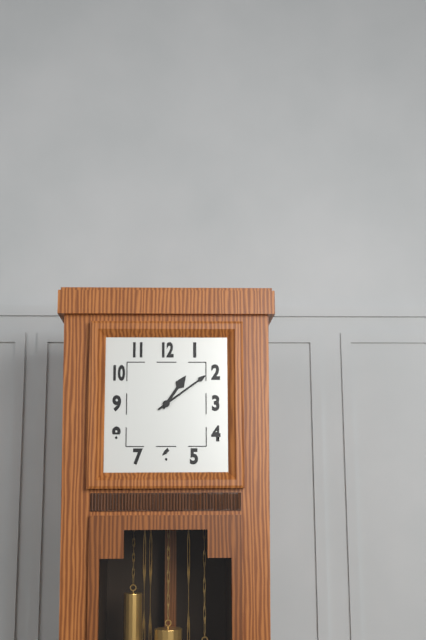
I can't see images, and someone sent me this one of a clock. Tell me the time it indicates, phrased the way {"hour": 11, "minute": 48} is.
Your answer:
{"hour": 1, "minute": 9}
